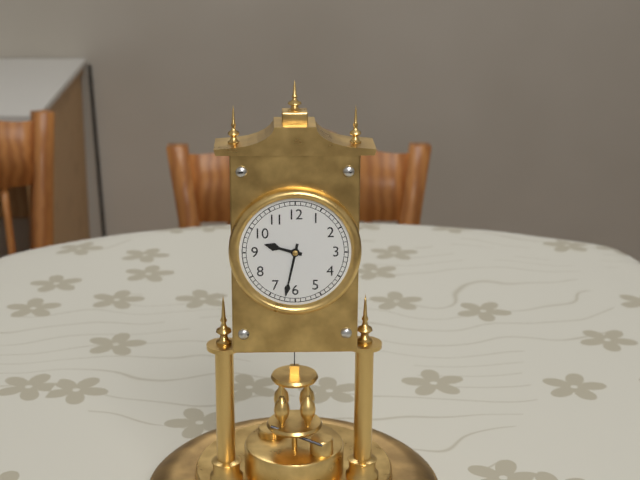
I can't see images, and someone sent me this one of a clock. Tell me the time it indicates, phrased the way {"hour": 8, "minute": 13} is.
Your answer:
{"hour": 9, "minute": 32}
